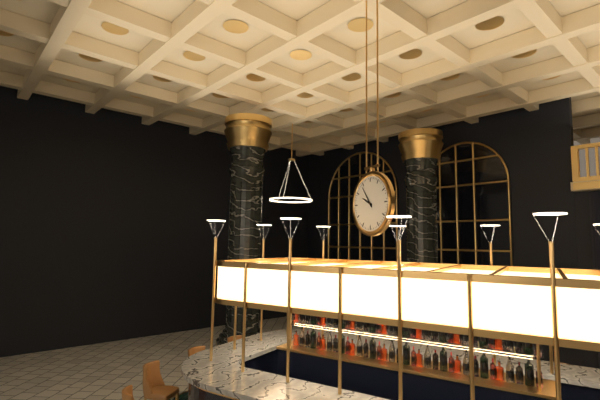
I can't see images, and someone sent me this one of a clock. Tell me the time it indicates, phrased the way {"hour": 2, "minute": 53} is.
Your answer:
{"hour": 9, "minute": 54}
